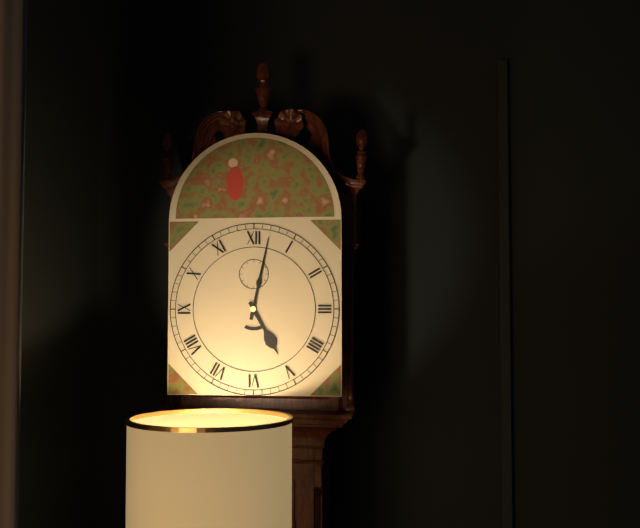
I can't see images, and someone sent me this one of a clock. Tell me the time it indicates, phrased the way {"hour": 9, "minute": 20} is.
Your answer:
{"hour": 5, "minute": 2}
